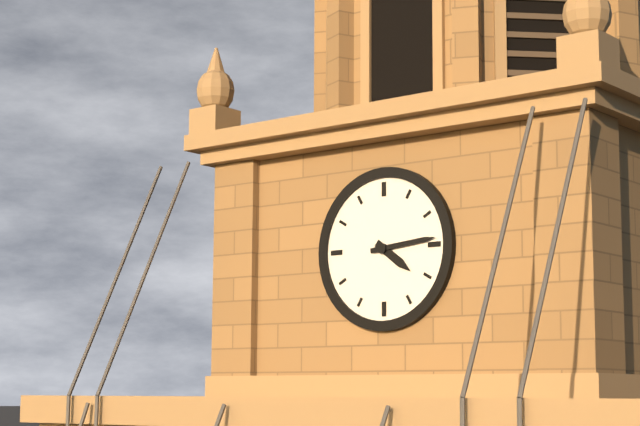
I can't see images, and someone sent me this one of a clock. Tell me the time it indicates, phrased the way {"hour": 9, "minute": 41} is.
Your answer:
{"hour": 4, "minute": 14}
